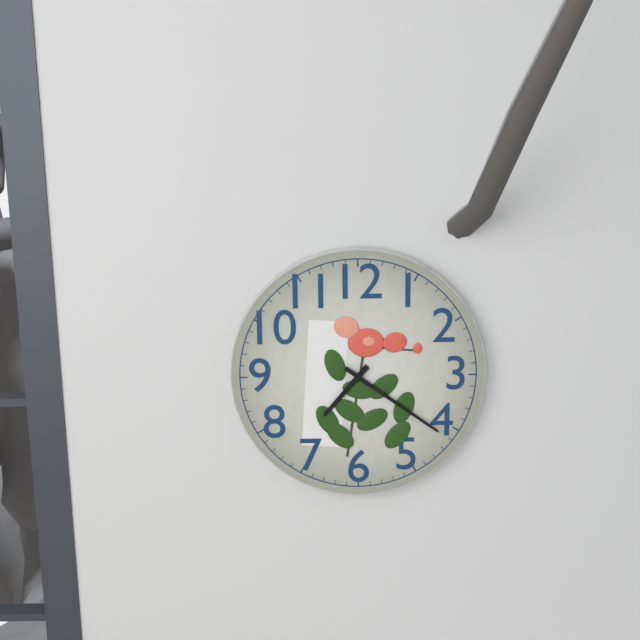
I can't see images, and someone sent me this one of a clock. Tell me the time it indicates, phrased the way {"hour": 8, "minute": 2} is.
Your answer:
{"hour": 7, "minute": 21}
